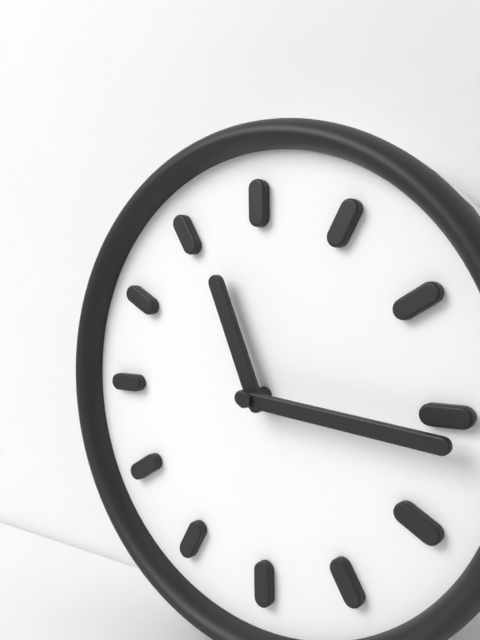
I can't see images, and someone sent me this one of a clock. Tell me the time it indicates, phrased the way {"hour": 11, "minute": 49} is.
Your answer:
{"hour": 11, "minute": 16}
